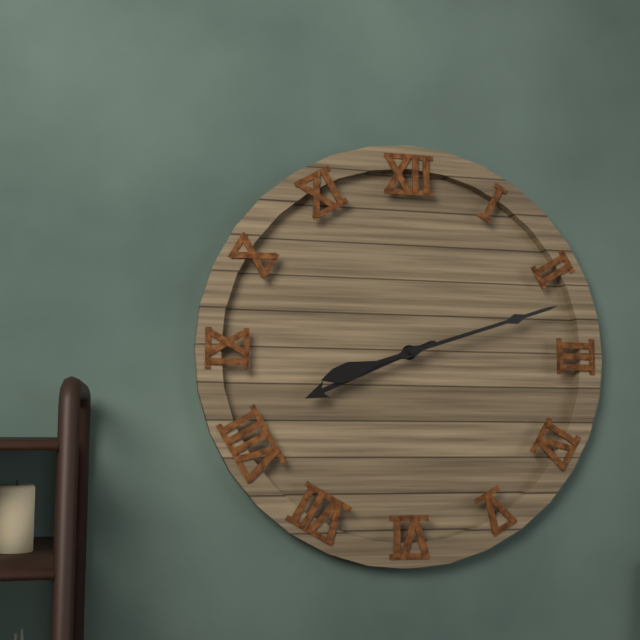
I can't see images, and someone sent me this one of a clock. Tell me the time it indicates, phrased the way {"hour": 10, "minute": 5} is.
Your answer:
{"hour": 8, "minute": 12}
